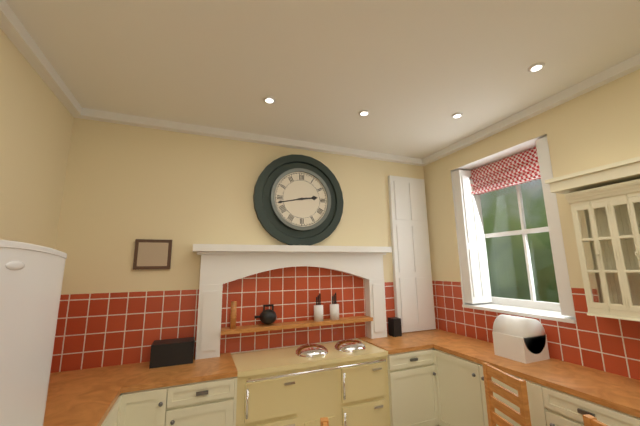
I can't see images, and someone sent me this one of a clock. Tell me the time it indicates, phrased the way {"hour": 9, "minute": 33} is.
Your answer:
{"hour": 2, "minute": 43}
